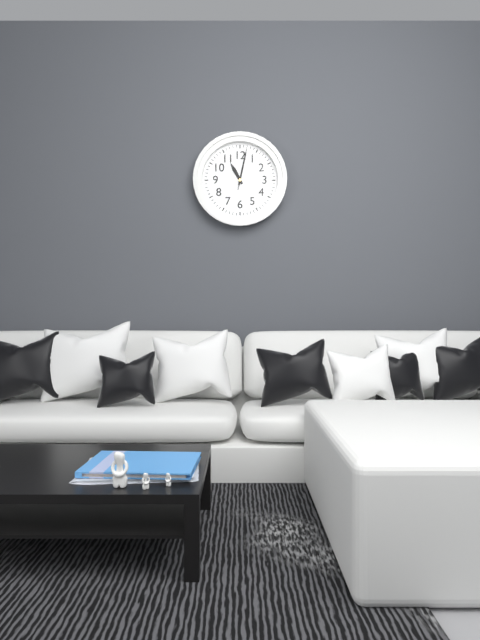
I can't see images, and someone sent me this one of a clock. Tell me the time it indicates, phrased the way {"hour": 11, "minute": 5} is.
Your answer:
{"hour": 11, "minute": 2}
